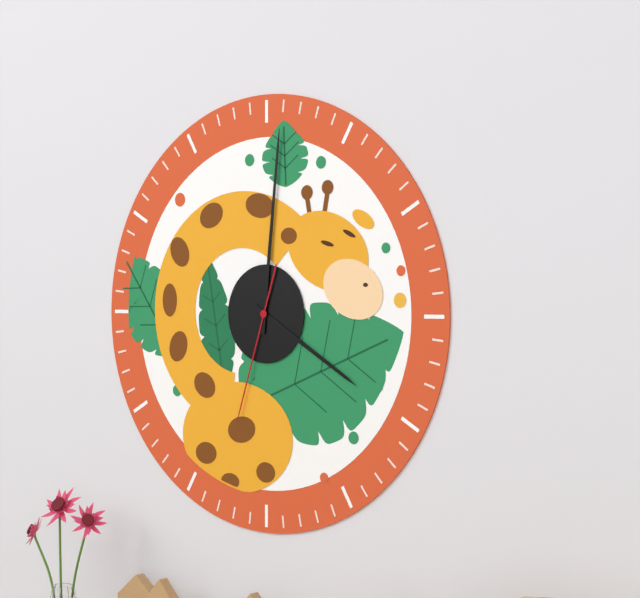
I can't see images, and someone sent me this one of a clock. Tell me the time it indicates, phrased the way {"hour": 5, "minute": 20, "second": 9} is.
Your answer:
{"hour": 4, "minute": 1, "second": 33}
